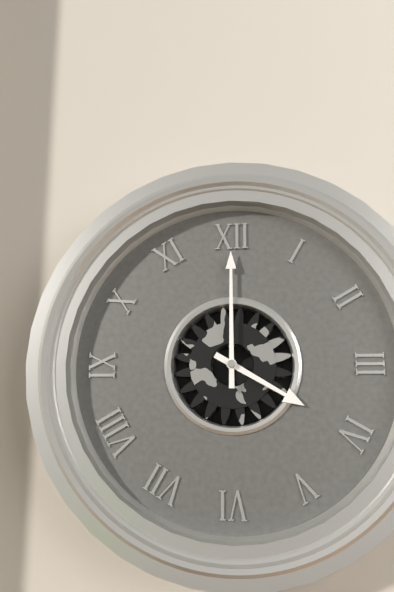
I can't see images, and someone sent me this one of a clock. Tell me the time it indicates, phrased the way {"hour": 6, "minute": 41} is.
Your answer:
{"hour": 4, "minute": 0}
